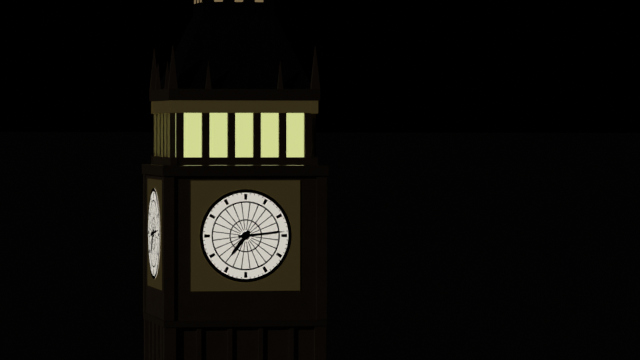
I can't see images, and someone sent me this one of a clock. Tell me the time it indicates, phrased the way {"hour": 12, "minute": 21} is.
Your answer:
{"hour": 7, "minute": 14}
